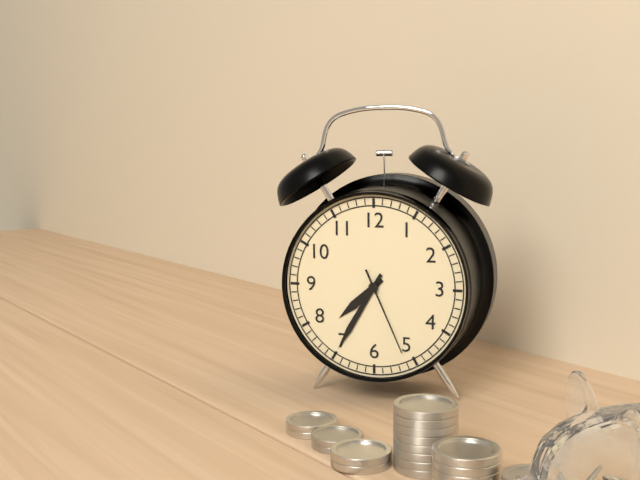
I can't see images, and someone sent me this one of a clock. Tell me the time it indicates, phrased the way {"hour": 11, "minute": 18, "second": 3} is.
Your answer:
{"hour": 7, "minute": 35, "second": 26}
